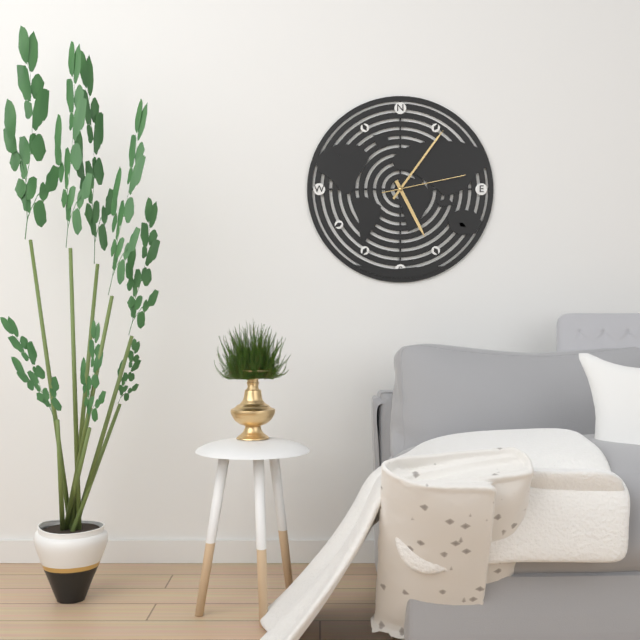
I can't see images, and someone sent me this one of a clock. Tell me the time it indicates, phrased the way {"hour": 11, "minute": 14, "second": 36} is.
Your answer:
{"hour": 5, "minute": 6, "second": 13}
